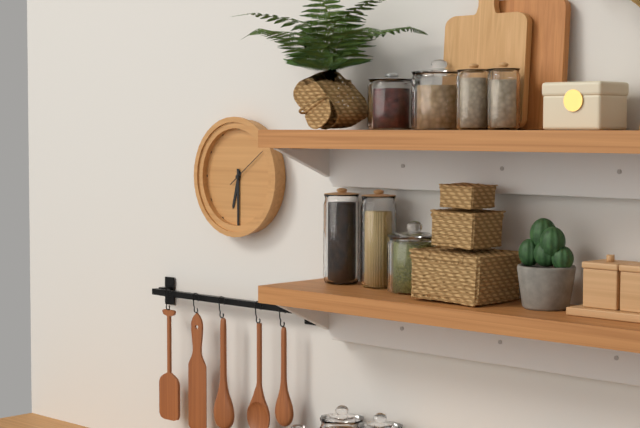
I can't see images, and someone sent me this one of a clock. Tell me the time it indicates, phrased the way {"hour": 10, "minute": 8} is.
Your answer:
{"hour": 6, "minute": 30}
